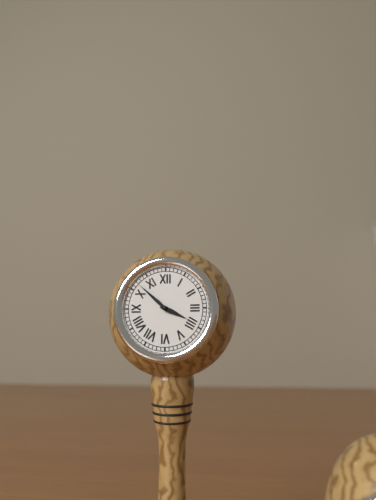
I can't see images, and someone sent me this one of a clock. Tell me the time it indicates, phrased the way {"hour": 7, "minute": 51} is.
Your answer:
{"hour": 3, "minute": 52}
